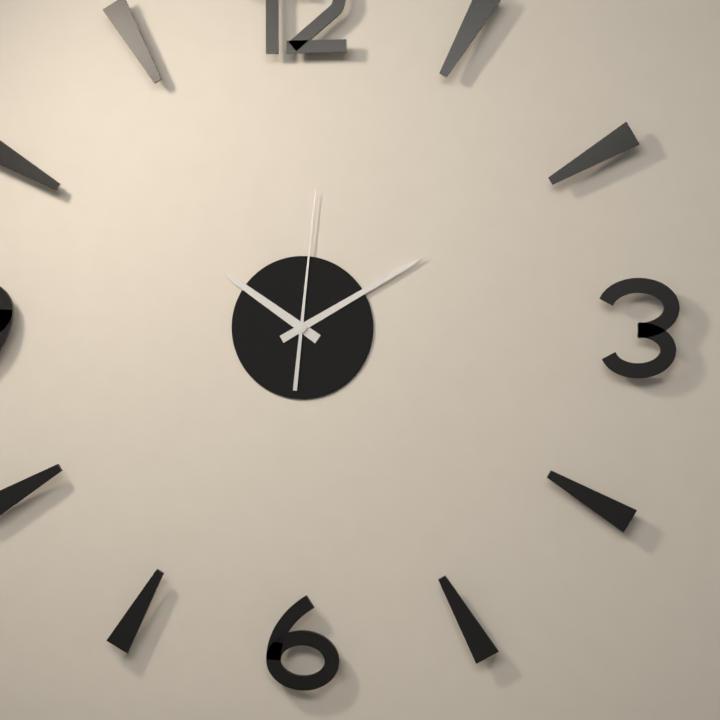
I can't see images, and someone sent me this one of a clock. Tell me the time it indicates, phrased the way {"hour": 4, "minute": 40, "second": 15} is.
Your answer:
{"hour": 10, "minute": 10, "second": 1}
